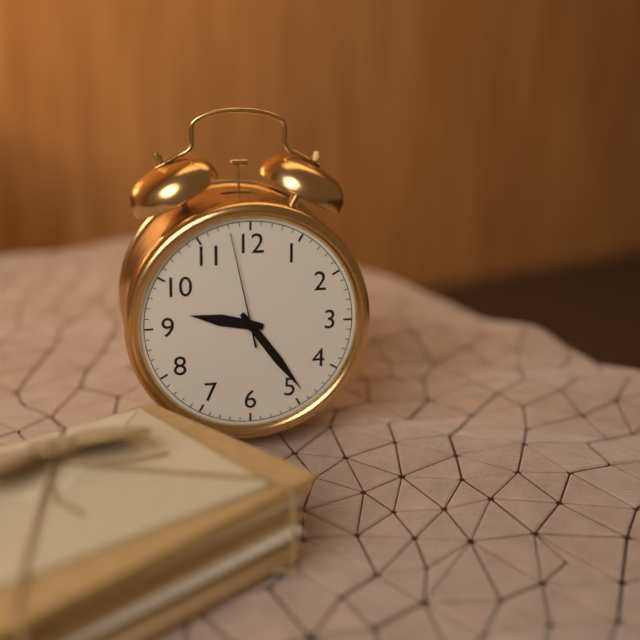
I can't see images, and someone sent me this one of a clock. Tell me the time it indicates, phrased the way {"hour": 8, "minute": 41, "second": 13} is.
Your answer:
{"hour": 9, "minute": 24, "second": 58}
